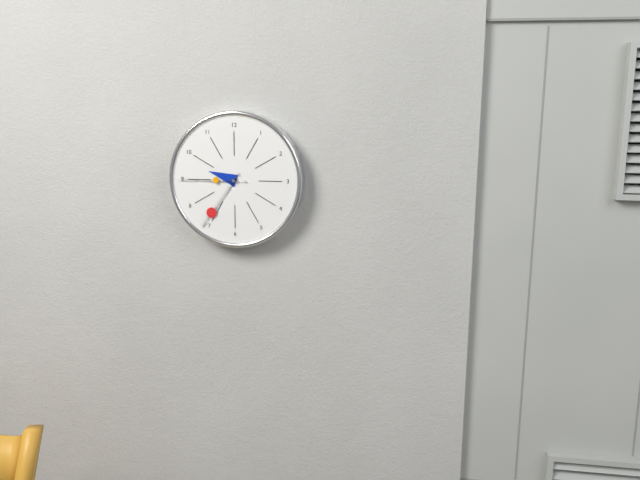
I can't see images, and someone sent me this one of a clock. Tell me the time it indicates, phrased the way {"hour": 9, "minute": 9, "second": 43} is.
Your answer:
{"hour": 9, "minute": 36, "second": 45}
